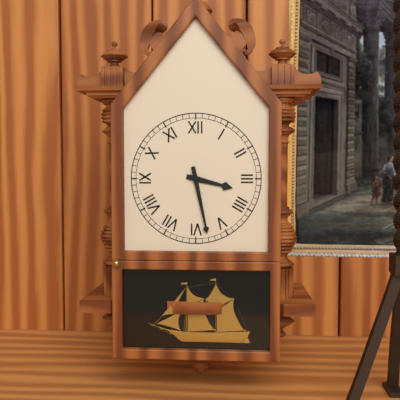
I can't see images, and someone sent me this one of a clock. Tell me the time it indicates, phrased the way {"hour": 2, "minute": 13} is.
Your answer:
{"hour": 3, "minute": 28}
